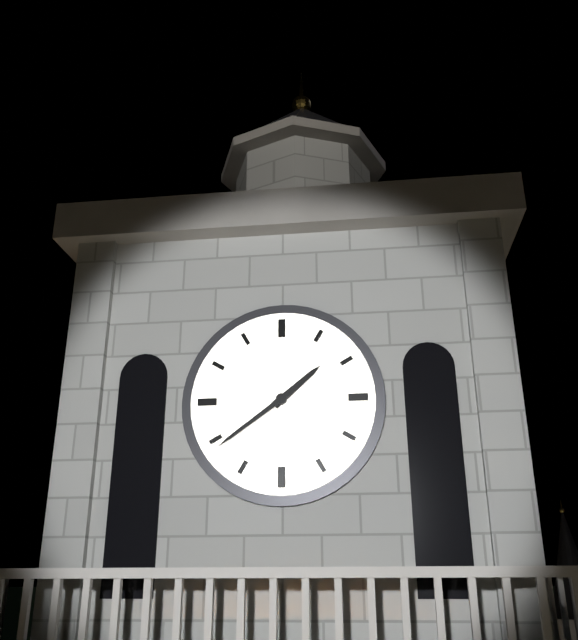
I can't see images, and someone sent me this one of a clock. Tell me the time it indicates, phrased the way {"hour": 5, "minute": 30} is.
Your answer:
{"hour": 1, "minute": 39}
